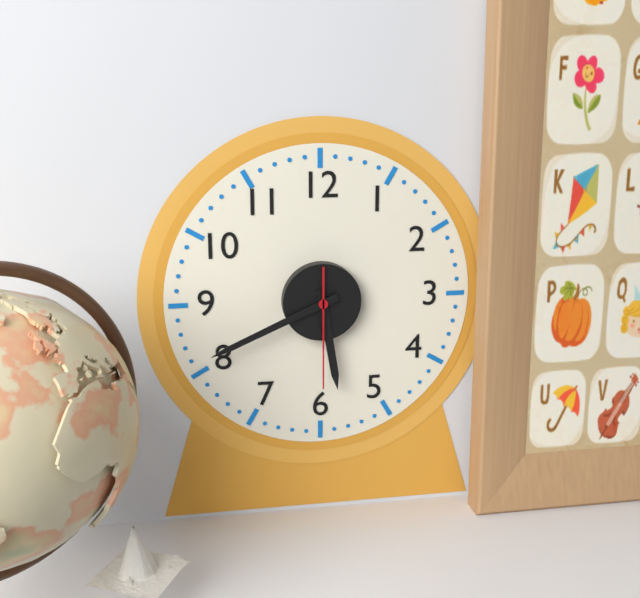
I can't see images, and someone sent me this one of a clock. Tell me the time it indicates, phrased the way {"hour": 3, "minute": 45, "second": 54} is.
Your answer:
{"hour": 5, "minute": 41, "second": 30}
